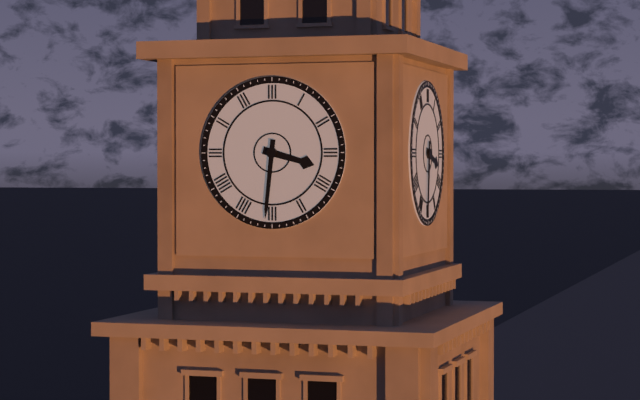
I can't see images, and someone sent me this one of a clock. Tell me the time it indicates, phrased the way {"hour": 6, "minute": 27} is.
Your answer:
{"hour": 3, "minute": 31}
